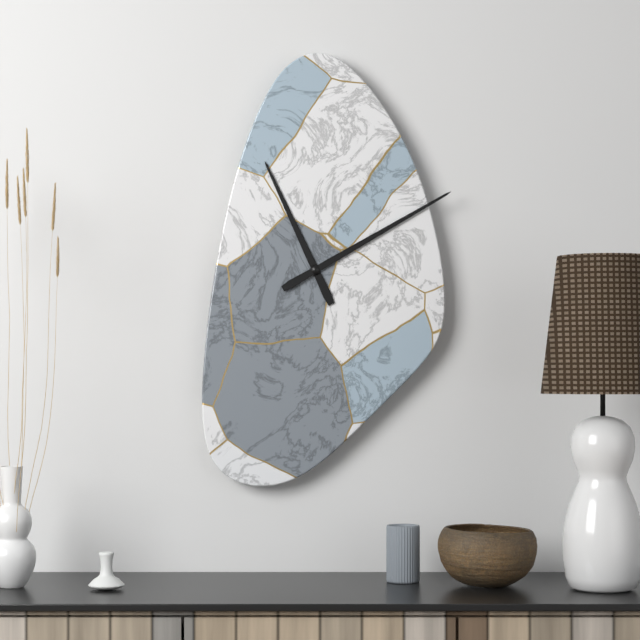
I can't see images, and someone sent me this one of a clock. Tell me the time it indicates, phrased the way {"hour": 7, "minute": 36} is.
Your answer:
{"hour": 11, "minute": 10}
